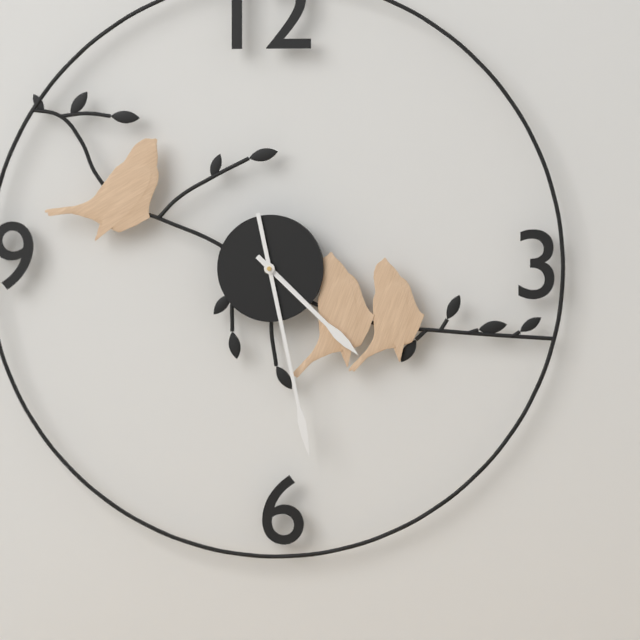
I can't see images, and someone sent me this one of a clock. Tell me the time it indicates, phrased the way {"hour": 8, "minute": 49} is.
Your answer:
{"hour": 4, "minute": 28}
